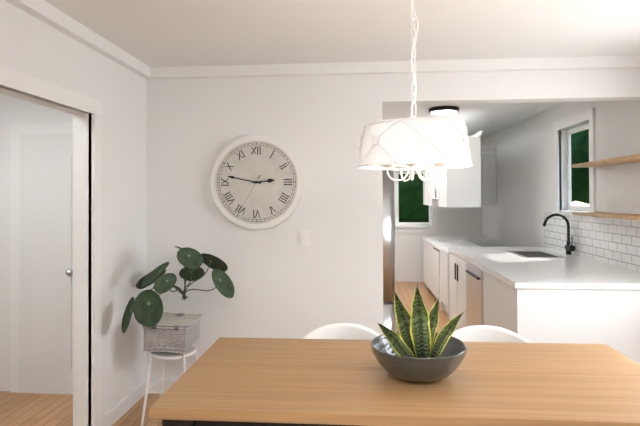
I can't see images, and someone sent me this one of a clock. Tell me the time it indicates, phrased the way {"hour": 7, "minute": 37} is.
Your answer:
{"hour": 2, "minute": 47}
